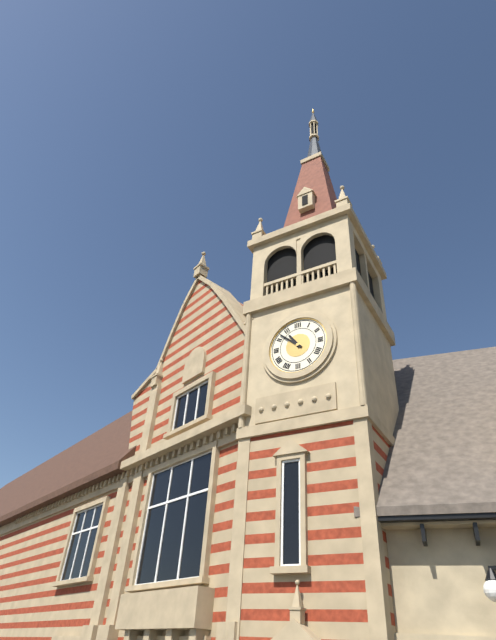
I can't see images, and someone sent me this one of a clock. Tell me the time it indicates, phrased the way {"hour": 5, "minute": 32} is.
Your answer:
{"hour": 10, "minute": 52}
